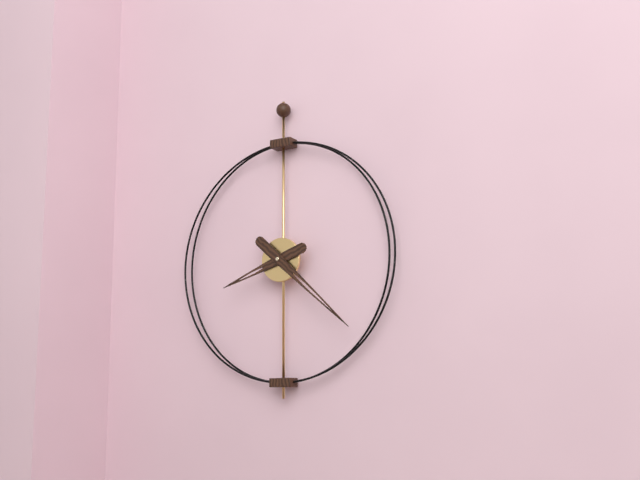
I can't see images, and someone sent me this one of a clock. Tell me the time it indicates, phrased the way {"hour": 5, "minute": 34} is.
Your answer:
{"hour": 8, "minute": 22}
